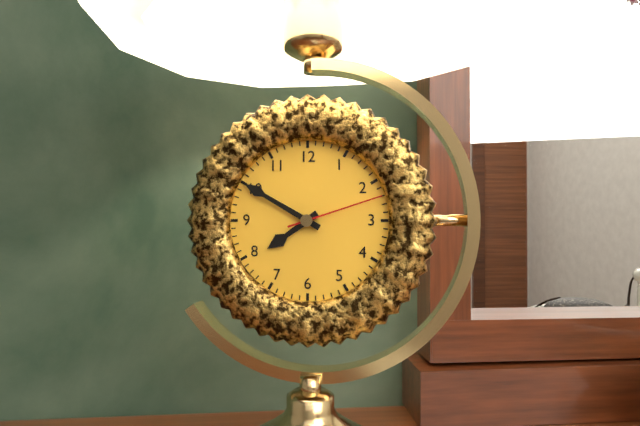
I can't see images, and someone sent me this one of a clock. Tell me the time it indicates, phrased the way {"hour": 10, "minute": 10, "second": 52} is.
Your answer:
{"hour": 7, "minute": 50, "second": 12}
